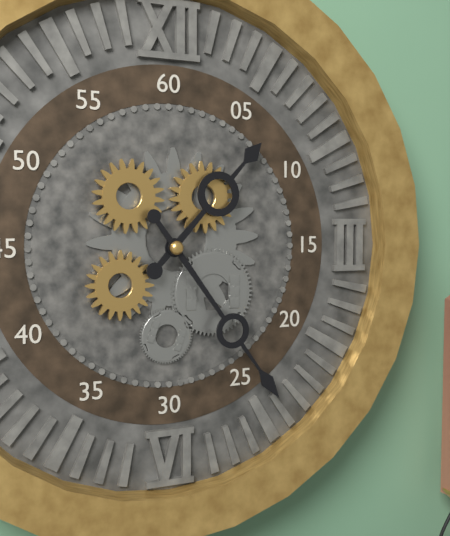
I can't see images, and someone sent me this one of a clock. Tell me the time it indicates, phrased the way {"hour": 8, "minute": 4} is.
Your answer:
{"hour": 1, "minute": 24}
